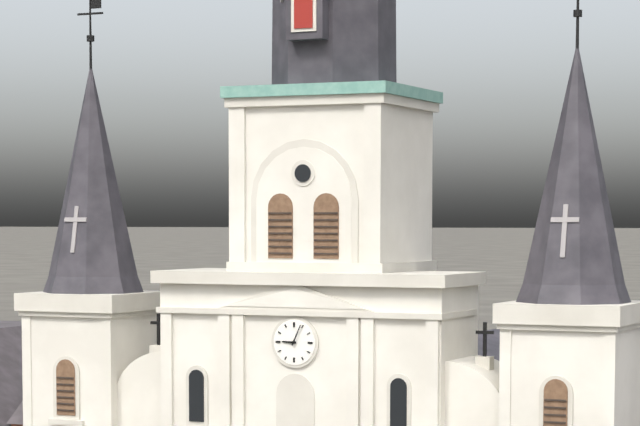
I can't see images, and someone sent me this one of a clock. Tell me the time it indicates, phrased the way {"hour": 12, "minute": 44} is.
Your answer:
{"hour": 9, "minute": 4}
